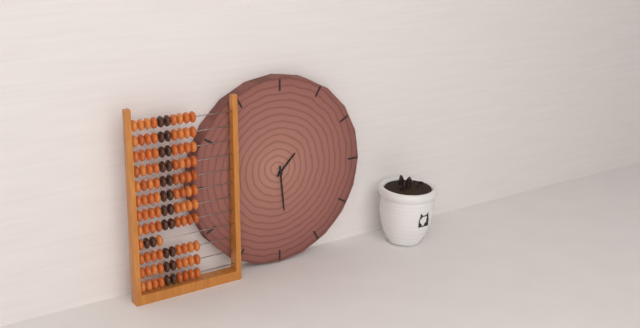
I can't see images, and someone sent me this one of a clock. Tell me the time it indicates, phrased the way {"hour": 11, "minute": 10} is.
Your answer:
{"hour": 1, "minute": 29}
